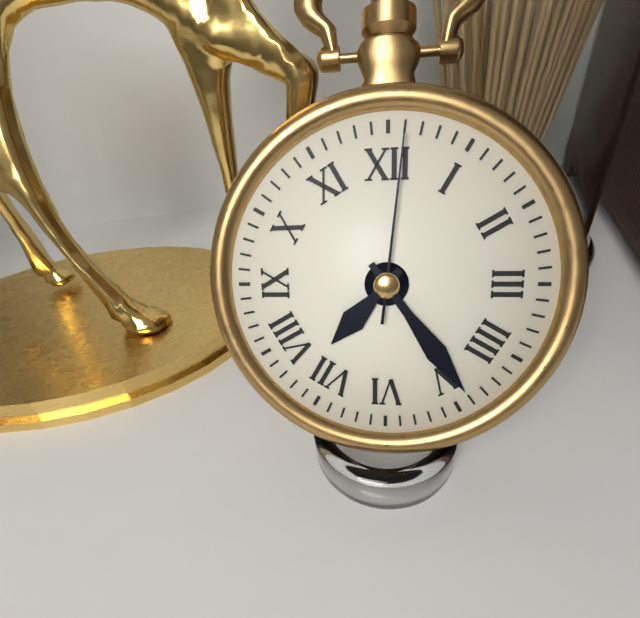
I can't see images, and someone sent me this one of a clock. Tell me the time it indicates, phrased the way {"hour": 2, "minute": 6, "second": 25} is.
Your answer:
{"hour": 7, "minute": 24, "second": 1}
